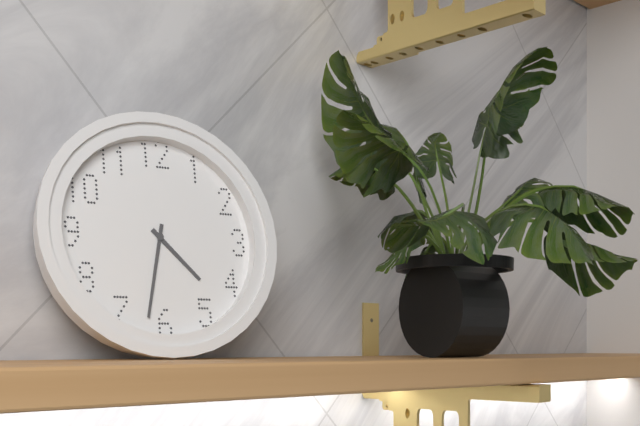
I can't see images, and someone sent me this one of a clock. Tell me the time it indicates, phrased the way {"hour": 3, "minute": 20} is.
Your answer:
{"hour": 4, "minute": 32}
